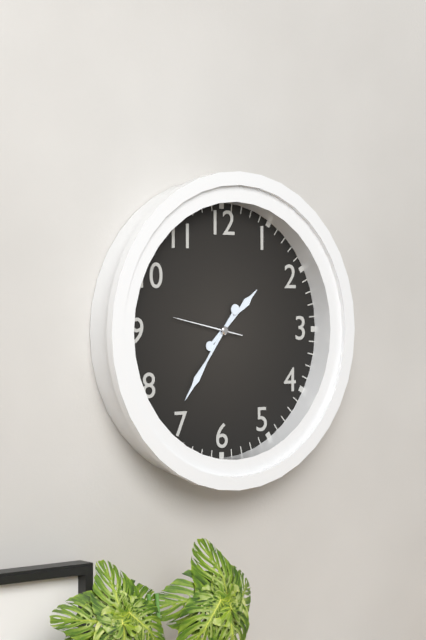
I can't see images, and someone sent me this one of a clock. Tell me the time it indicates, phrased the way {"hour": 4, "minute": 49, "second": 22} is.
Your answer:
{"hour": 1, "minute": 36, "second": 47}
